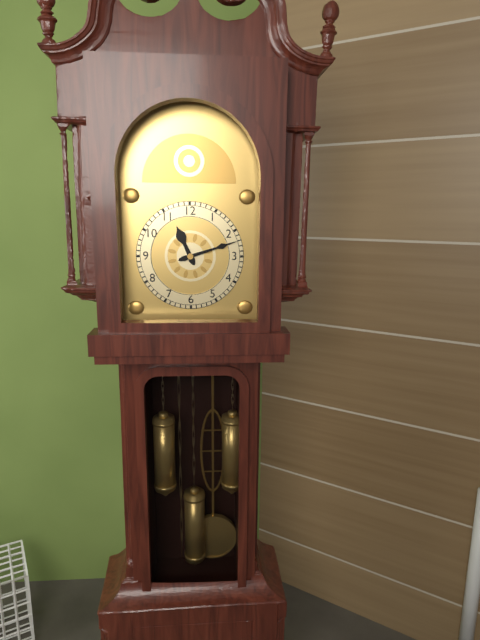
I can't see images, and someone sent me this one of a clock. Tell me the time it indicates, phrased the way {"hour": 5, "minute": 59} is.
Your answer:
{"hour": 11, "minute": 12}
